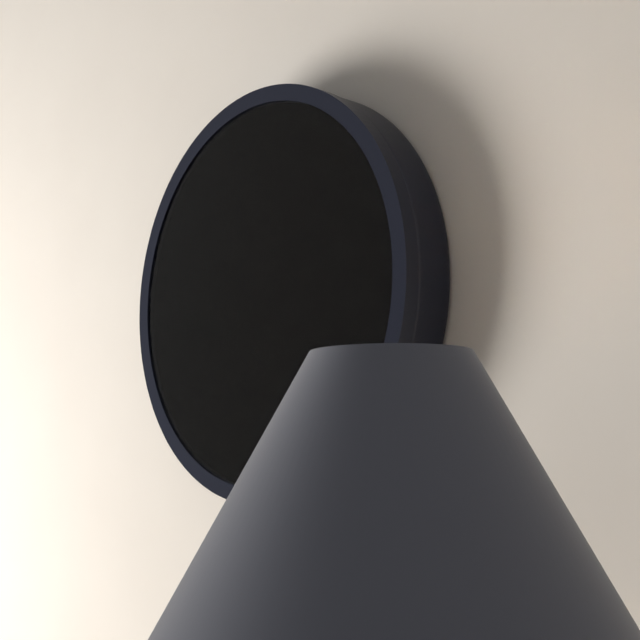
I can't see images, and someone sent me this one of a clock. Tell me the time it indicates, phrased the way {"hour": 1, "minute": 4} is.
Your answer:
{"hour": 12, "minute": 18}
